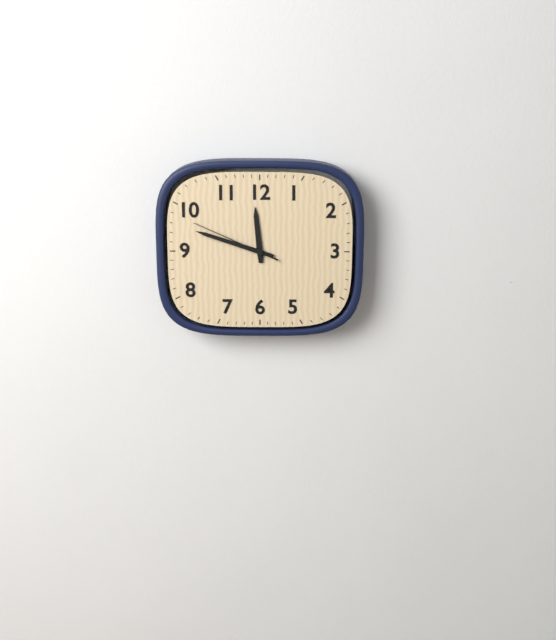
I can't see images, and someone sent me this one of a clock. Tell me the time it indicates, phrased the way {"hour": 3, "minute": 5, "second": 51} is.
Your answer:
{"hour": 11, "minute": 48, "second": 49}
